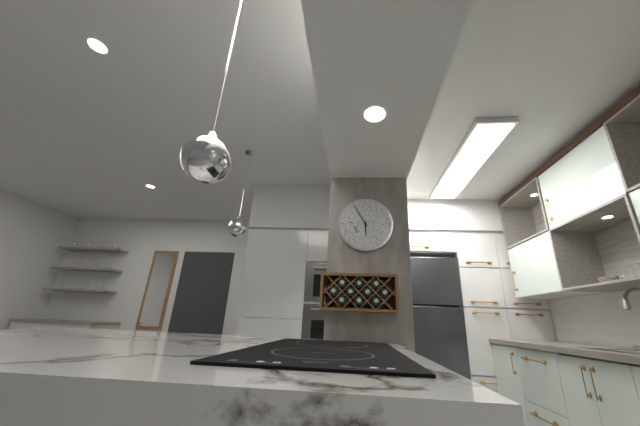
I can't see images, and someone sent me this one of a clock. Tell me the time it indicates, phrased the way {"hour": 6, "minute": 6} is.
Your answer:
{"hour": 5, "minute": 55}
